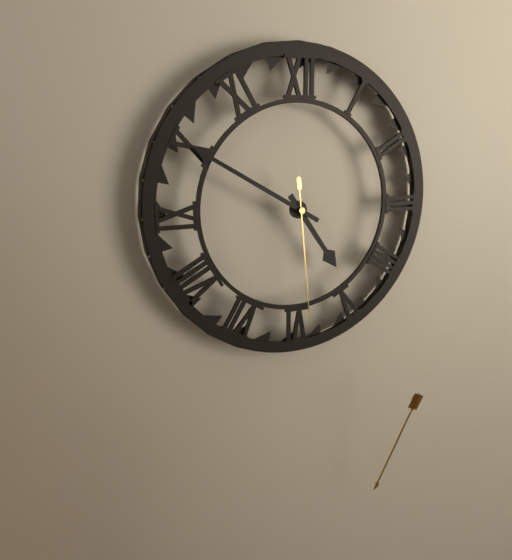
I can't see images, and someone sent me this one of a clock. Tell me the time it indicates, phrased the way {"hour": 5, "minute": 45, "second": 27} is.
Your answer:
{"hour": 4, "minute": 50, "second": 29}
